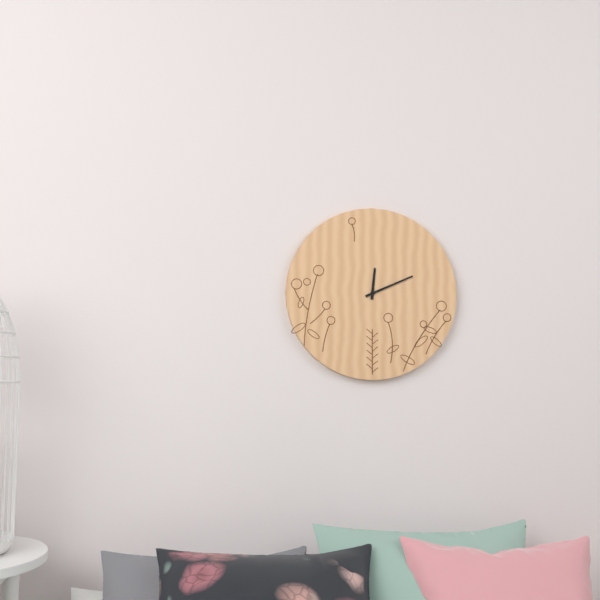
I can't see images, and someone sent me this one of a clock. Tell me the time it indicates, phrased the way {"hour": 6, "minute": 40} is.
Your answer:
{"hour": 12, "minute": 11}
